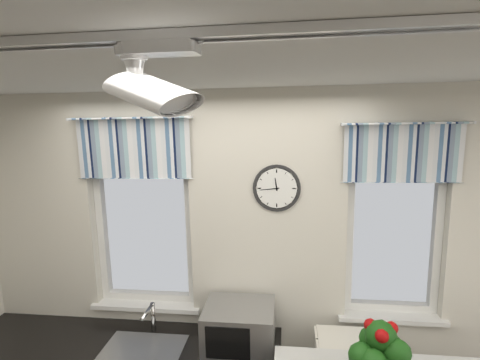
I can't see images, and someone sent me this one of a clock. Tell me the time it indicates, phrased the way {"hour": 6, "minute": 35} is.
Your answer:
{"hour": 11, "minute": 44}
